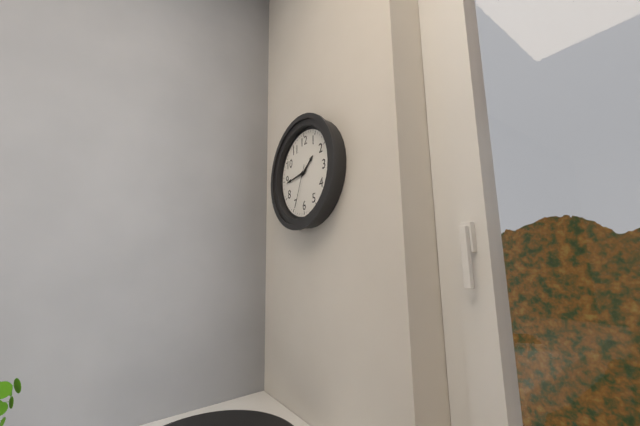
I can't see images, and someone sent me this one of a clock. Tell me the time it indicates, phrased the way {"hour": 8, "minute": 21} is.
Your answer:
{"hour": 1, "minute": 44}
